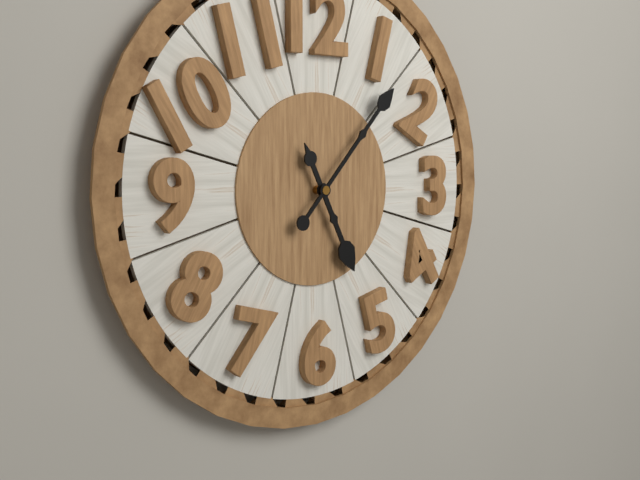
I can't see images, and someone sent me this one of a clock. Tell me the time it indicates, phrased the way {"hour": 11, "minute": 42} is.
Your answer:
{"hour": 5, "minute": 7}
